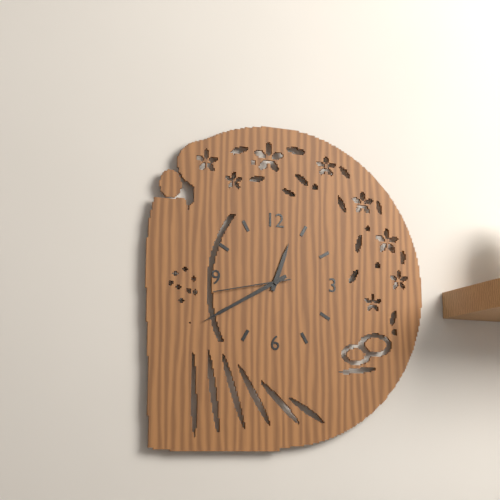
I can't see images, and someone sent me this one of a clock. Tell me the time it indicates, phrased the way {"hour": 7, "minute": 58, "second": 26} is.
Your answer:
{"hour": 12, "minute": 40, "second": 43}
